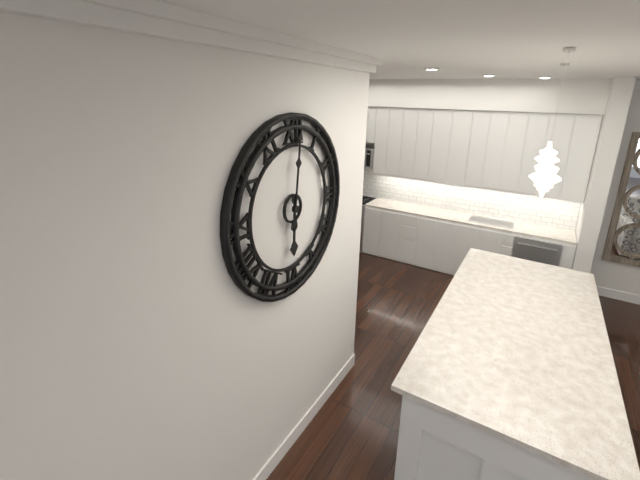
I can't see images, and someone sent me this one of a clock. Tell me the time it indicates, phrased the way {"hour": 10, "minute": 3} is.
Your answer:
{"hour": 6, "minute": 1}
